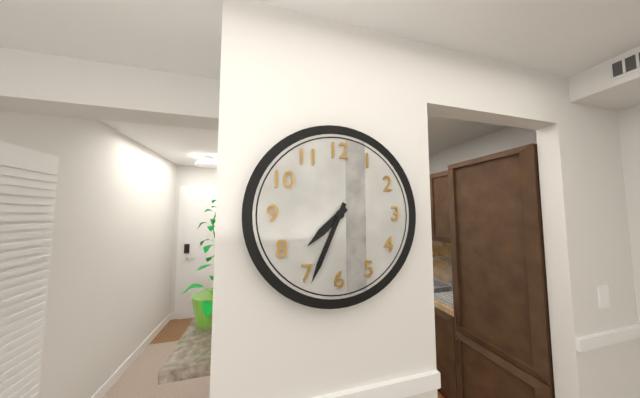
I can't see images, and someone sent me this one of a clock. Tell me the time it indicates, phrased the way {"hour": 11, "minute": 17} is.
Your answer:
{"hour": 7, "minute": 34}
